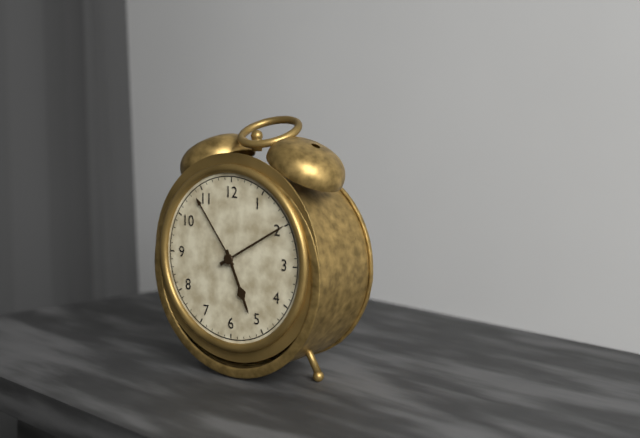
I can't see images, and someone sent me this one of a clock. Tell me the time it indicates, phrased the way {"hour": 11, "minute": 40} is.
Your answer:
{"hour": 5, "minute": 10}
